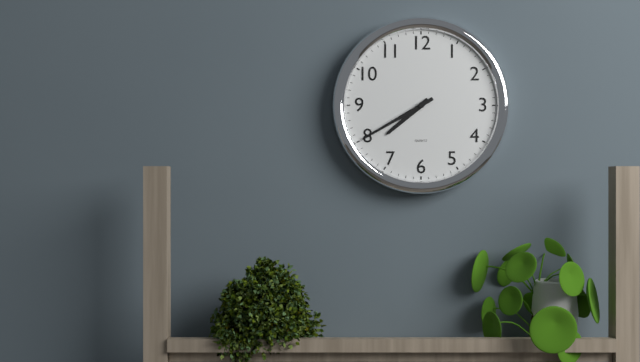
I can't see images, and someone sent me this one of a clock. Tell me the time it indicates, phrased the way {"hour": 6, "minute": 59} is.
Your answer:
{"hour": 7, "minute": 40}
